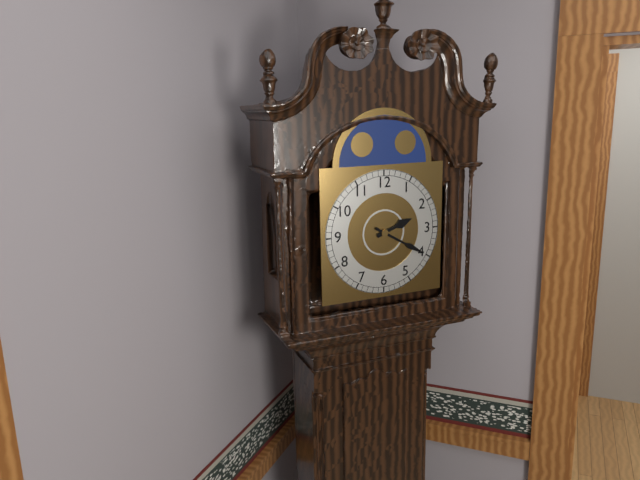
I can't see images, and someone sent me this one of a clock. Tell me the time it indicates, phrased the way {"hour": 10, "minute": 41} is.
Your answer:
{"hour": 2, "minute": 20}
